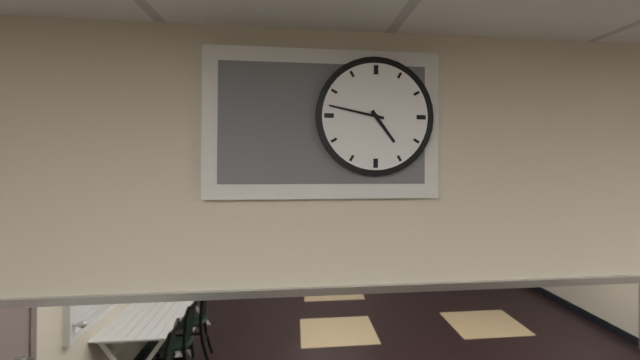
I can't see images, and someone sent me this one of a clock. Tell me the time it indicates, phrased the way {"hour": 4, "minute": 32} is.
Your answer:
{"hour": 4, "minute": 47}
